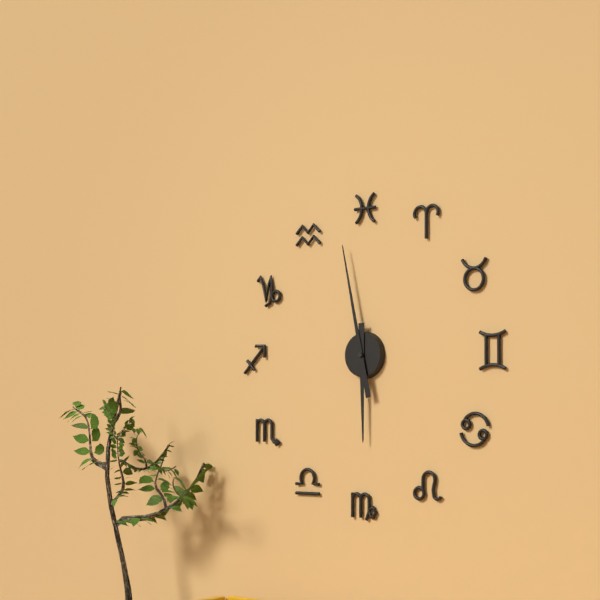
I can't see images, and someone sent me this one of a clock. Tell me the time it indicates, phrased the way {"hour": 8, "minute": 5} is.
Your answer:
{"hour": 5, "minute": 58}
